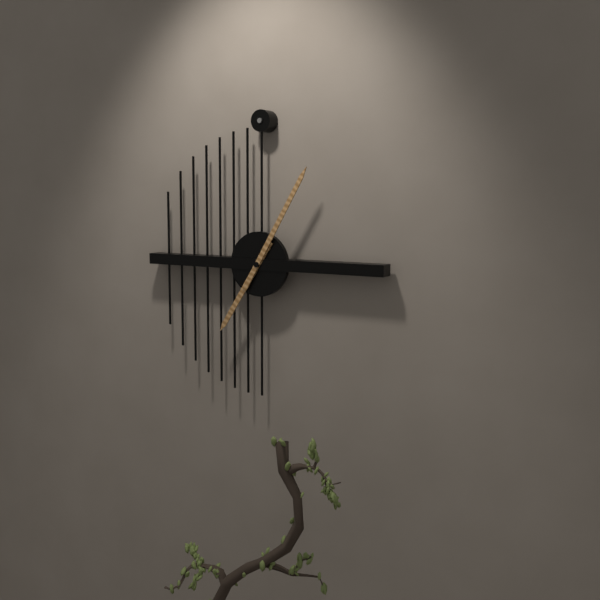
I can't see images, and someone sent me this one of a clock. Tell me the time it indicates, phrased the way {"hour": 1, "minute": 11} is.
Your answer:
{"hour": 7, "minute": 5}
